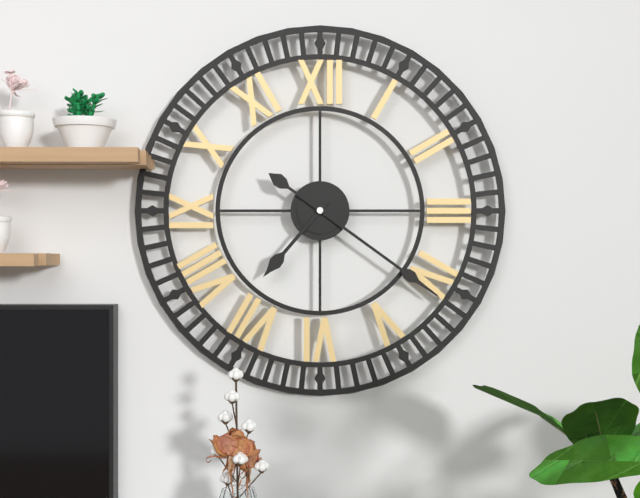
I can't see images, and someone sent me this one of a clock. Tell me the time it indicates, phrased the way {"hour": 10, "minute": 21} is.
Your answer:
{"hour": 7, "minute": 21}
